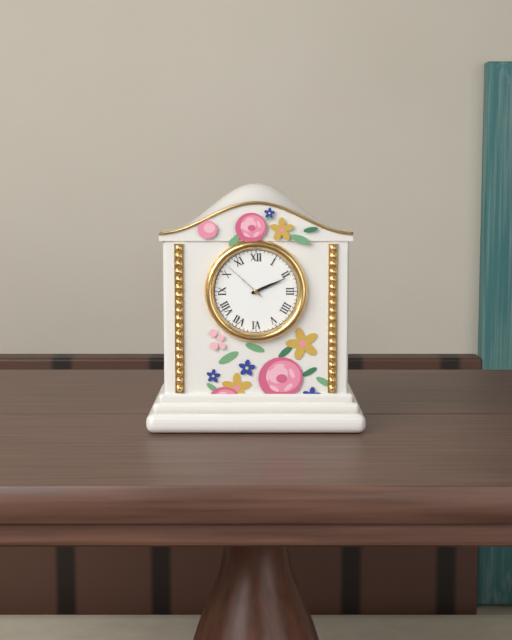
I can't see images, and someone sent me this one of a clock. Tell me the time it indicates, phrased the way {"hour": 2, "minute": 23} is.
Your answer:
{"hour": 2, "minute": 11}
